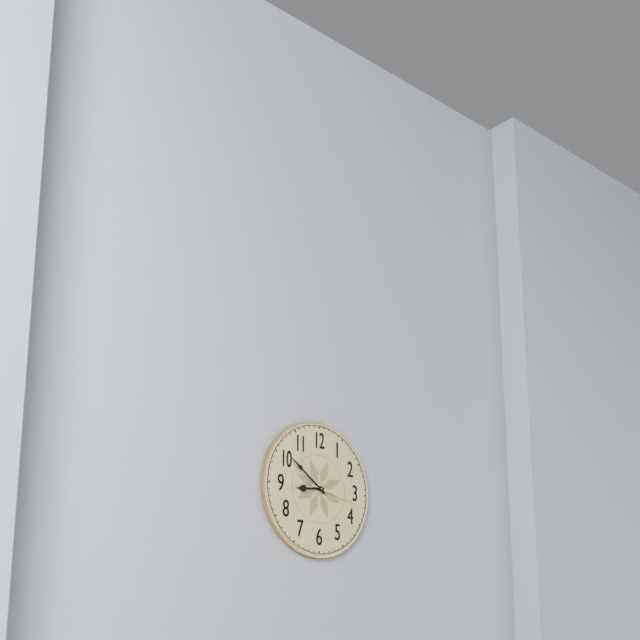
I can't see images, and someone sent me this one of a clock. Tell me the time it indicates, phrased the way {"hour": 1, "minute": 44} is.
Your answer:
{"hour": 8, "minute": 51}
